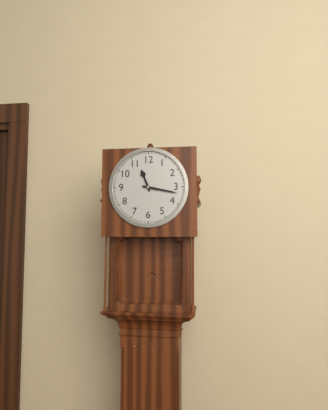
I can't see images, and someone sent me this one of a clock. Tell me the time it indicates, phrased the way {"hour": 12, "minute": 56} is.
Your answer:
{"hour": 11, "minute": 17}
